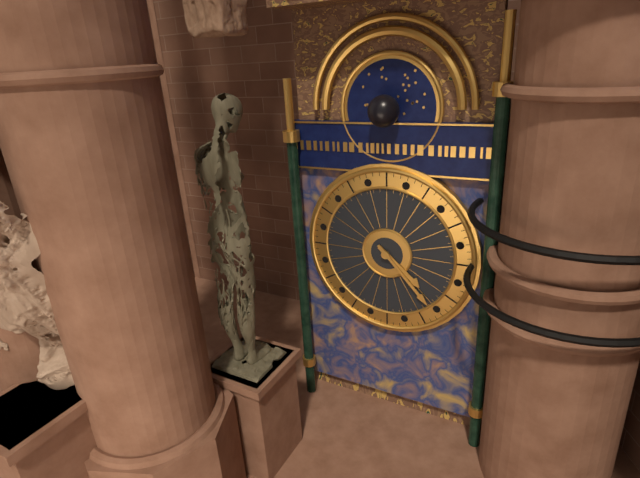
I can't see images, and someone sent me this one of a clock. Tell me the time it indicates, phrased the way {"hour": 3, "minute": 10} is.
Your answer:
{"hour": 4, "minute": 23}
